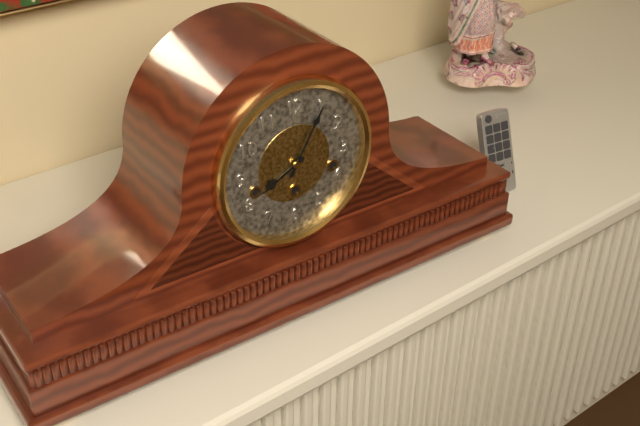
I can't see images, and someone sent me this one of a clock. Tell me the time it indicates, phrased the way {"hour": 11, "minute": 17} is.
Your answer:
{"hour": 8, "minute": 5}
